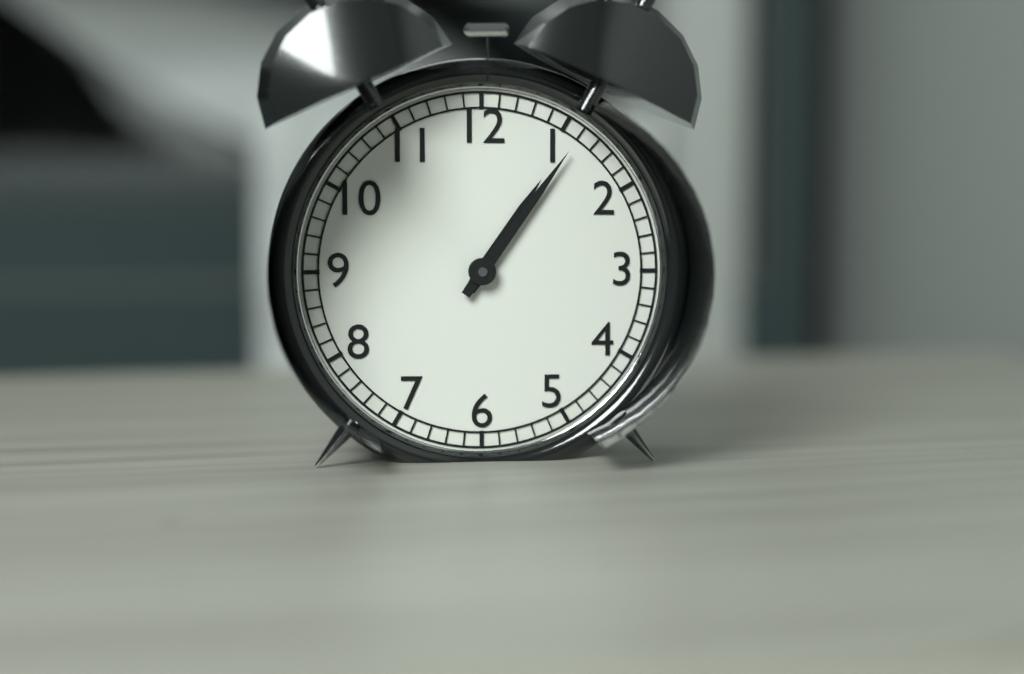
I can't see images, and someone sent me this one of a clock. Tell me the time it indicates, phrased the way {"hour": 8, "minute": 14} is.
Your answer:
{"hour": 1, "minute": 6}
